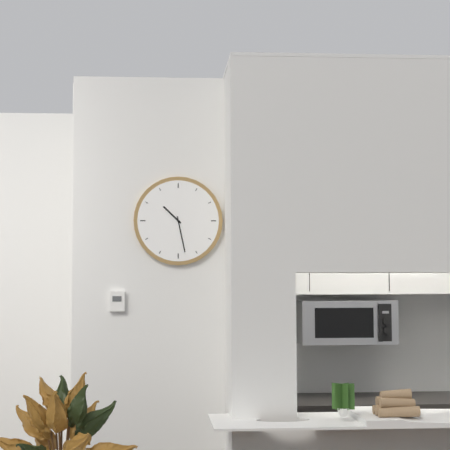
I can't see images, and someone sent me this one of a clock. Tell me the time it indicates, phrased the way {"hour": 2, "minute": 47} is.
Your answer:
{"hour": 10, "minute": 28}
